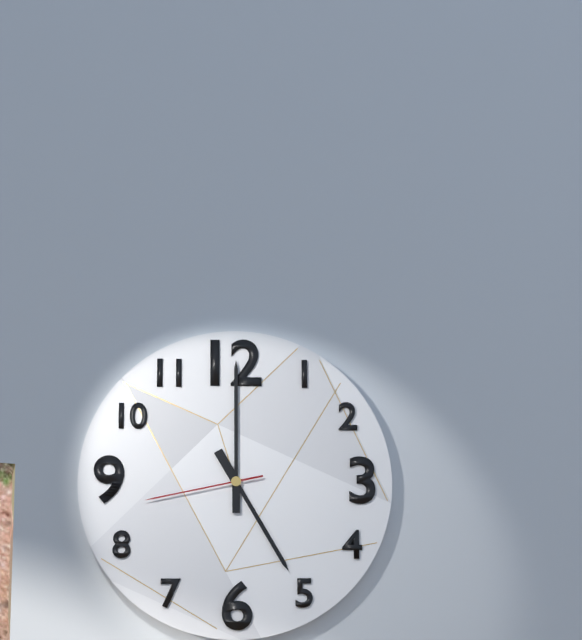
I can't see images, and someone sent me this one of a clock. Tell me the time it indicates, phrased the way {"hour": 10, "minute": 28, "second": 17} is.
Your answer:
{"hour": 5, "minute": 0, "second": 43}
